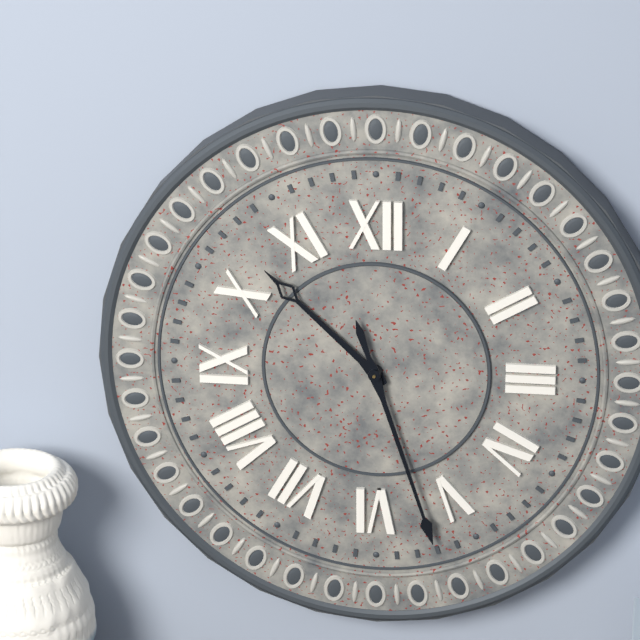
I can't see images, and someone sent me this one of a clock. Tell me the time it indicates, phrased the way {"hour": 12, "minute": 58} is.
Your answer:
{"hour": 10, "minute": 27}
